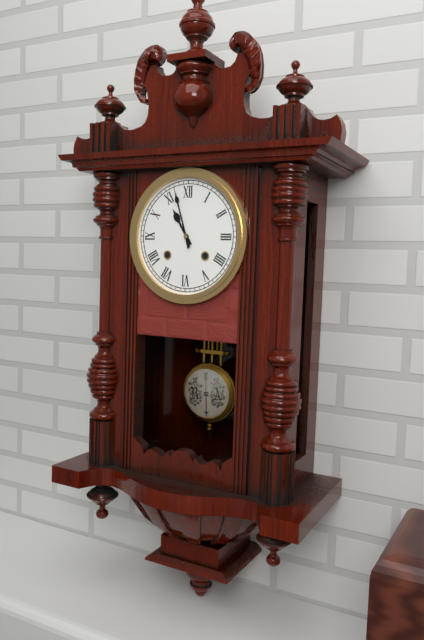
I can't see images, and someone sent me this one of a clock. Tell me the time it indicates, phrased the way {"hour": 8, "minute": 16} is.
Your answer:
{"hour": 10, "minute": 57}
